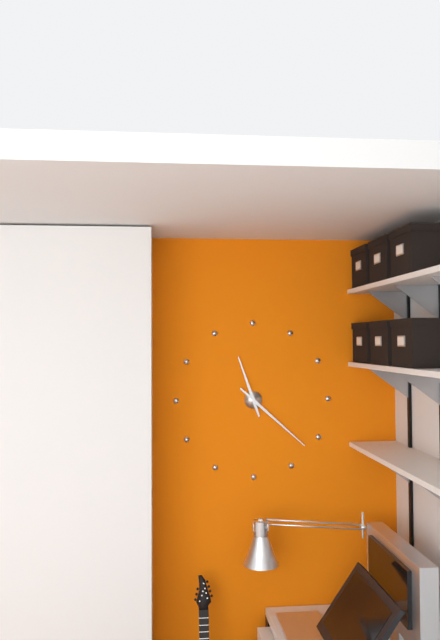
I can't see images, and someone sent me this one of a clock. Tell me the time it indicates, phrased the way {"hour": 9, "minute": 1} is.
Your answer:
{"hour": 11, "minute": 22}
